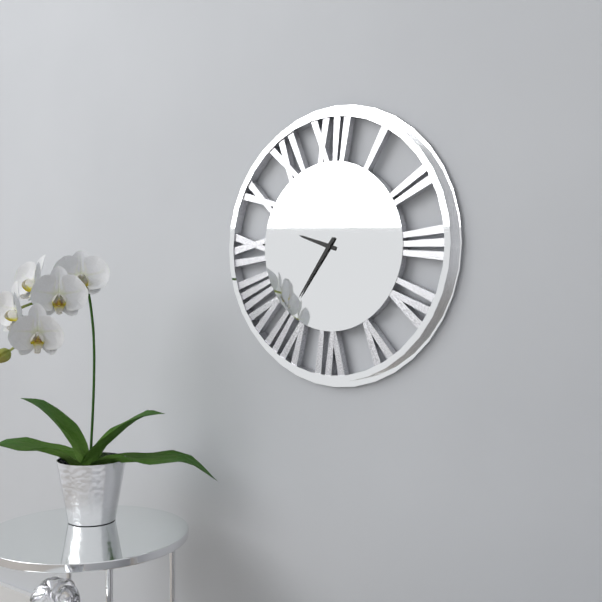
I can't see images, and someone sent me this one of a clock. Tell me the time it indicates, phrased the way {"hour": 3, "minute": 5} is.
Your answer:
{"hour": 9, "minute": 36}
